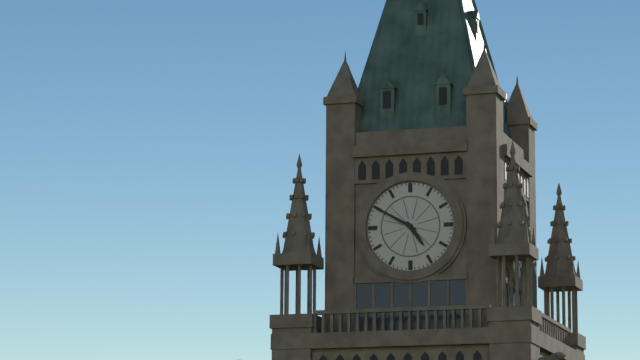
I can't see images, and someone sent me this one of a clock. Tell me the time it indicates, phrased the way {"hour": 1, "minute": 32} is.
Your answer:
{"hour": 4, "minute": 50}
